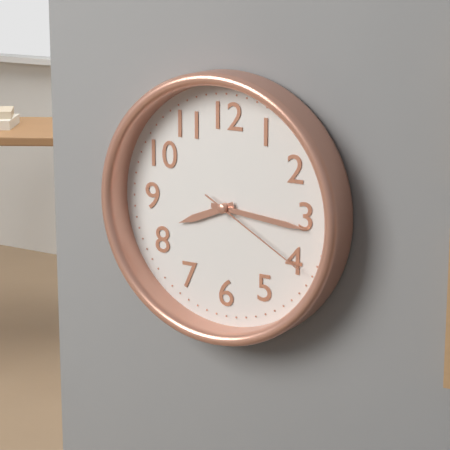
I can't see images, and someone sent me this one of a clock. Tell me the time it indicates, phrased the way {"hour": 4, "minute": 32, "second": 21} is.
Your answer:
{"hour": 8, "minute": 16, "second": 20}
